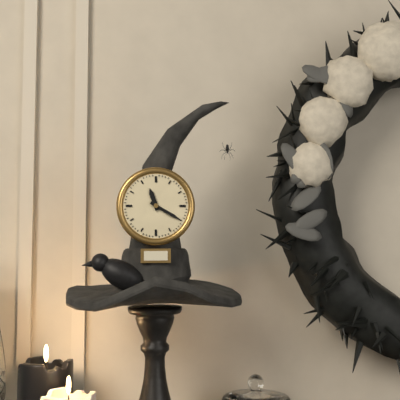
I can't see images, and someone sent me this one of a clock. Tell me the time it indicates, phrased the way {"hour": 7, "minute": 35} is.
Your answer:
{"hour": 11, "minute": 20}
